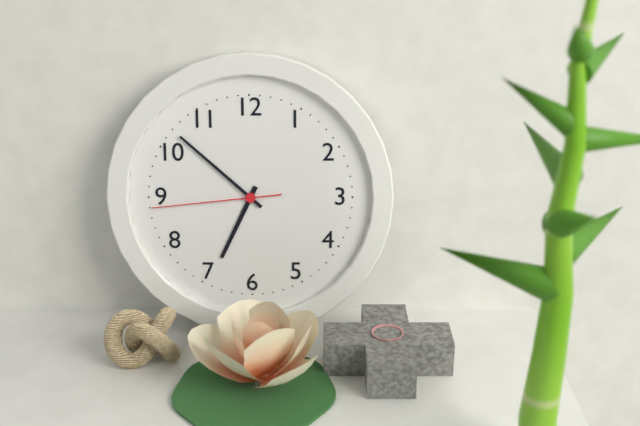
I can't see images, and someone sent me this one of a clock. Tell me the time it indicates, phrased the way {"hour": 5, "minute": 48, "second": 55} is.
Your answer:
{"hour": 6, "minute": 52, "second": 44}
